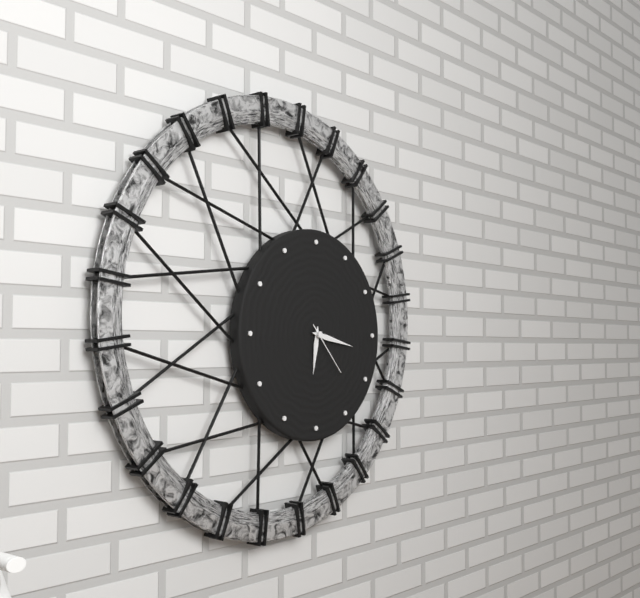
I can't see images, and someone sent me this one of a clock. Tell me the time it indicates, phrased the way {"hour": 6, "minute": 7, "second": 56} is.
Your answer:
{"hour": 6, "minute": 17, "second": 23}
